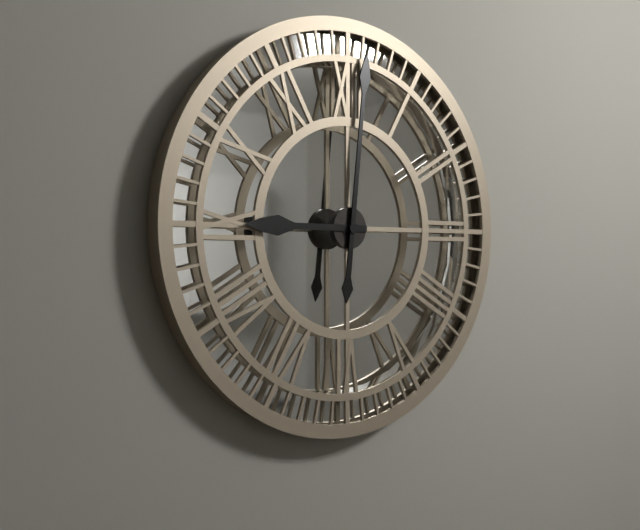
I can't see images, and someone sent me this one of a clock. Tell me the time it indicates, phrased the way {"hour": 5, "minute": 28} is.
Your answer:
{"hour": 9, "minute": 1}
